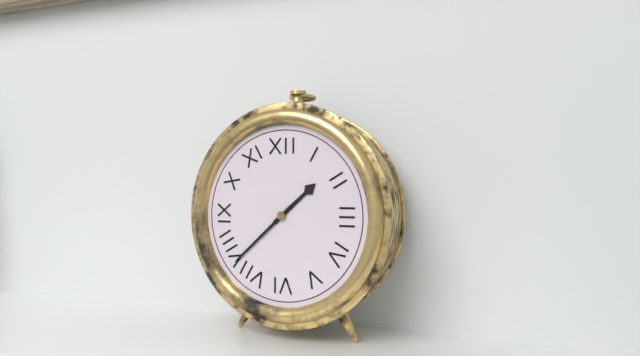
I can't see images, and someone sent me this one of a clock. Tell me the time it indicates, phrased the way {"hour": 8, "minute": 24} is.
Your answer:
{"hour": 1, "minute": 38}
